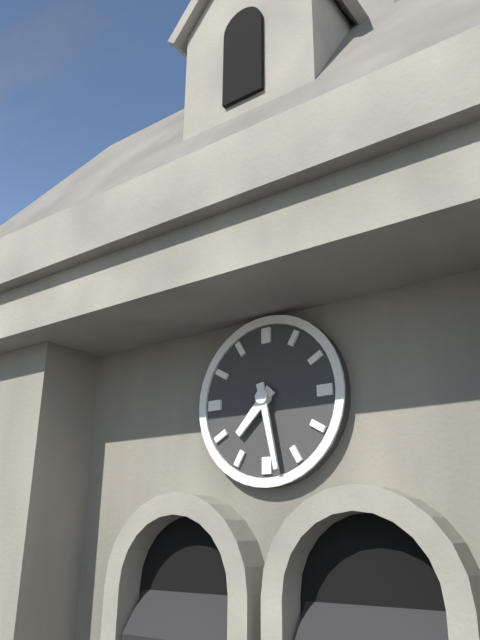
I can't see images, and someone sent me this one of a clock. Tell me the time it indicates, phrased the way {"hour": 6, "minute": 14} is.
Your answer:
{"hour": 7, "minute": 28}
